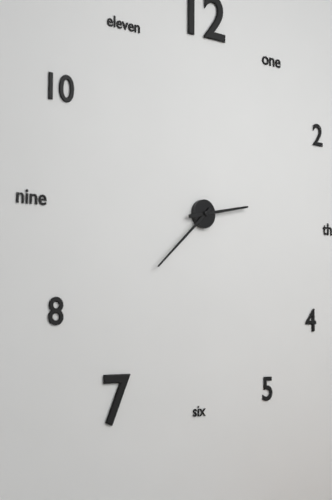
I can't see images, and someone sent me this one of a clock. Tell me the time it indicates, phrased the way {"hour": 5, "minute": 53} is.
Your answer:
{"hour": 2, "minute": 38}
